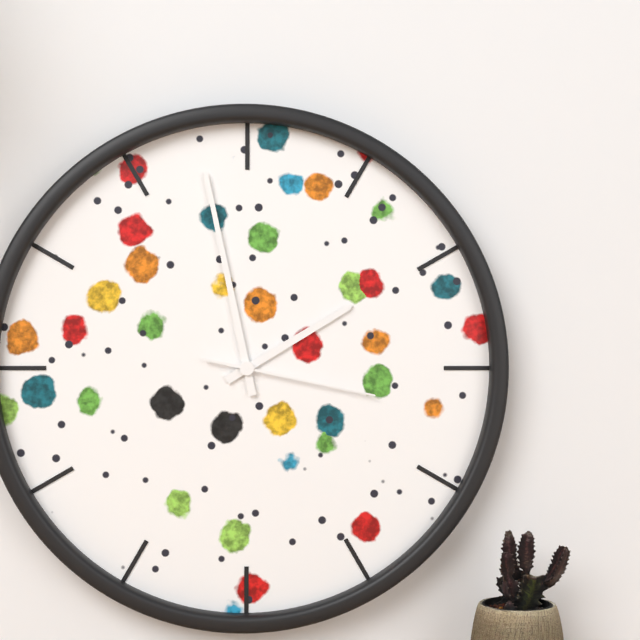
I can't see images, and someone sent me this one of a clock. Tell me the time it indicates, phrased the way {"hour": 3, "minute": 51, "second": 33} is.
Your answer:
{"hour": 1, "minute": 58, "second": 17}
